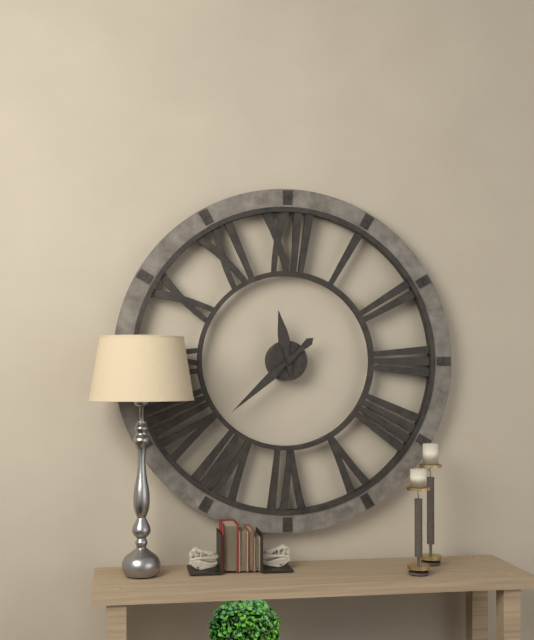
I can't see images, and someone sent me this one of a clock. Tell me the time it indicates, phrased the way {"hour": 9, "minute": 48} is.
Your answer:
{"hour": 11, "minute": 38}
